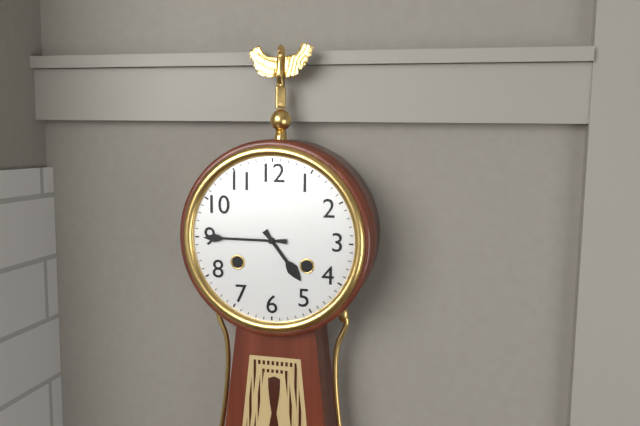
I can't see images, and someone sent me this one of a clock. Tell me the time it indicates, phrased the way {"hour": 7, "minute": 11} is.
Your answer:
{"hour": 4, "minute": 45}
